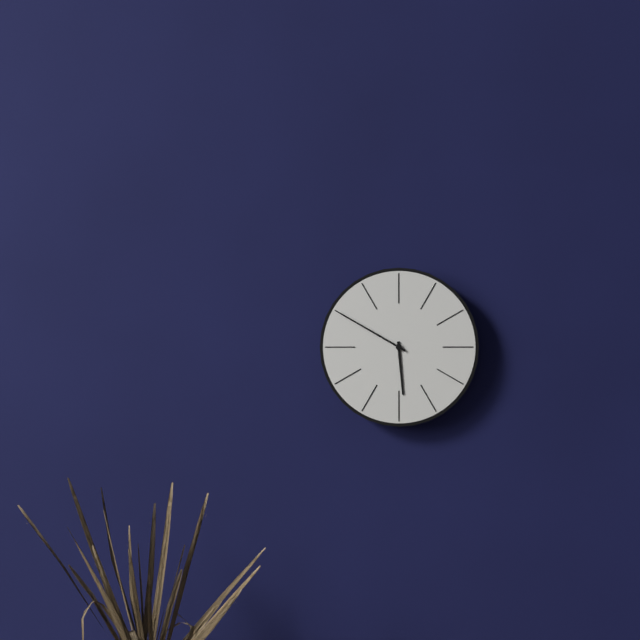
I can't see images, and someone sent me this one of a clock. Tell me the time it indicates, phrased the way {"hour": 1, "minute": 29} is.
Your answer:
{"hour": 5, "minute": 50}
